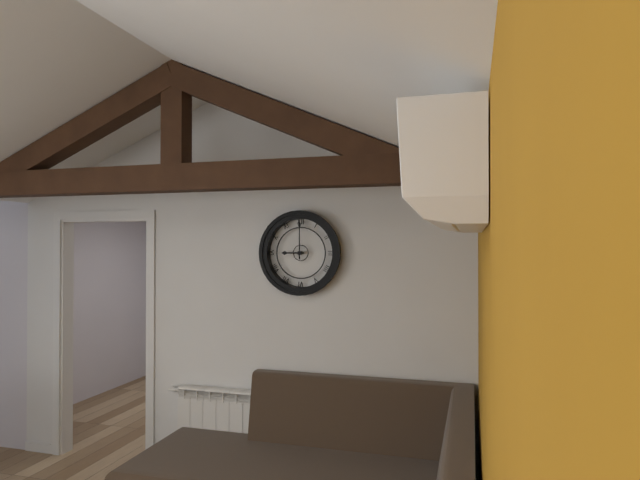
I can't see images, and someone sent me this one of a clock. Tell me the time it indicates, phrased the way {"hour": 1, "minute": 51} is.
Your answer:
{"hour": 9, "minute": 0}
